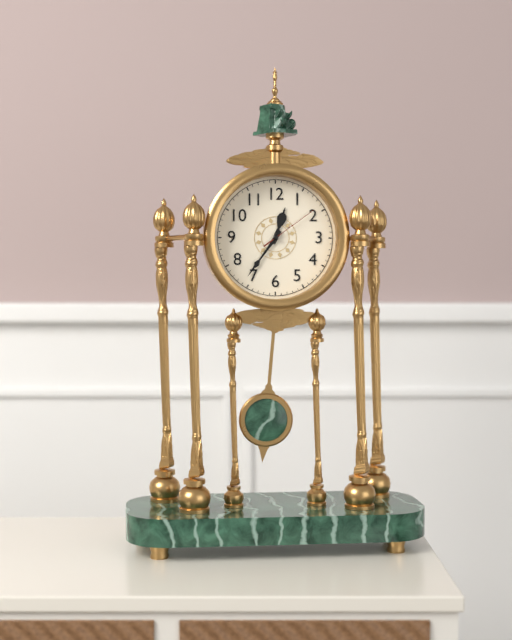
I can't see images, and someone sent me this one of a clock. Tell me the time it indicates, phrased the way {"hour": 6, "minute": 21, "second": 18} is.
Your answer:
{"hour": 12, "minute": 36, "second": 9}
